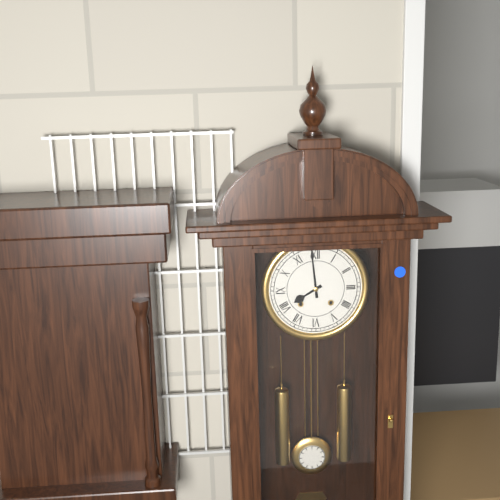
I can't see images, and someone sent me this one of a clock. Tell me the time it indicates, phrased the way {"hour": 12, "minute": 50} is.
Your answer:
{"hour": 7, "minute": 59}
